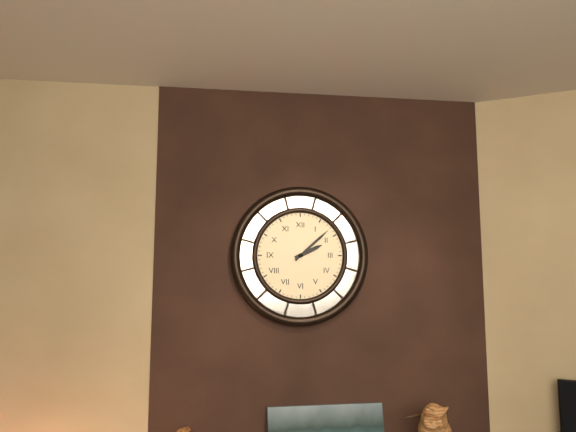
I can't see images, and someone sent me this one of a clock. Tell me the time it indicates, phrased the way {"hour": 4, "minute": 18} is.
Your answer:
{"hour": 2, "minute": 8}
